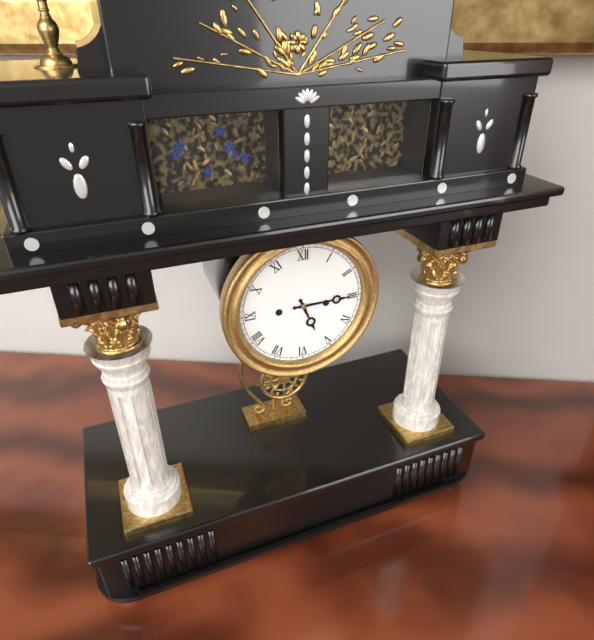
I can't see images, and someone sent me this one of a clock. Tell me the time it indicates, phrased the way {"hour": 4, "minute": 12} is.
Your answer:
{"hour": 5, "minute": 15}
